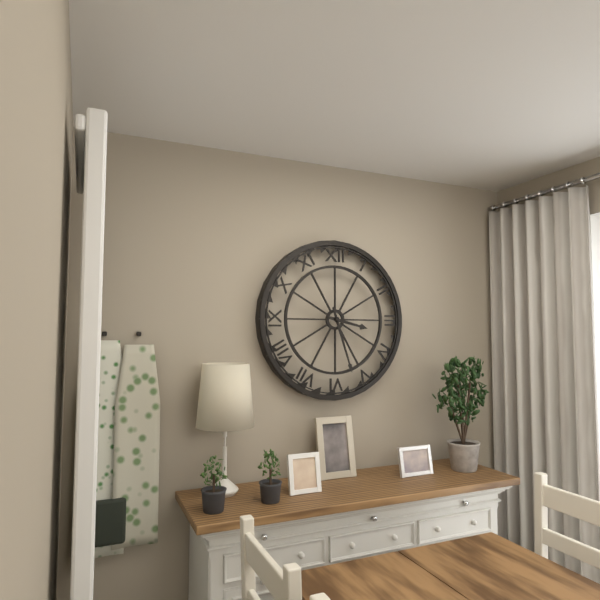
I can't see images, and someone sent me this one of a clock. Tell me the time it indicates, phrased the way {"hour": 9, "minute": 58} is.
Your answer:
{"hour": 3, "minute": 27}
